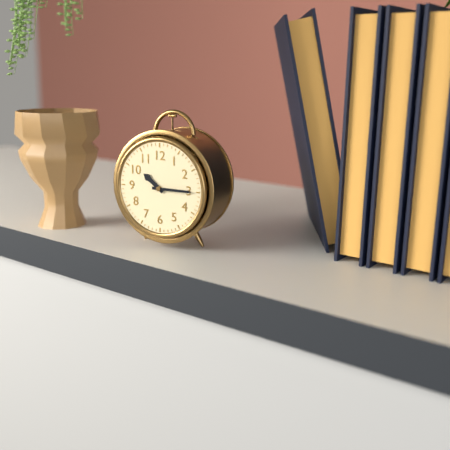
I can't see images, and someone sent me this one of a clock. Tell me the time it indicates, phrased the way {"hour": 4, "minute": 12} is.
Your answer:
{"hour": 10, "minute": 15}
